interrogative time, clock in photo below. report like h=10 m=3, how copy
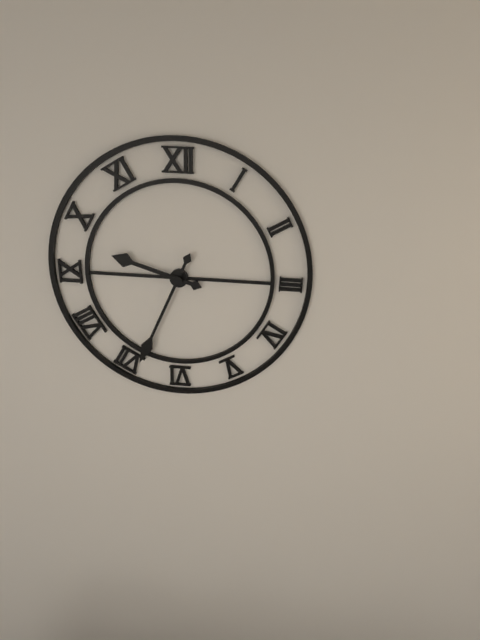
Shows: h=9 m=34
